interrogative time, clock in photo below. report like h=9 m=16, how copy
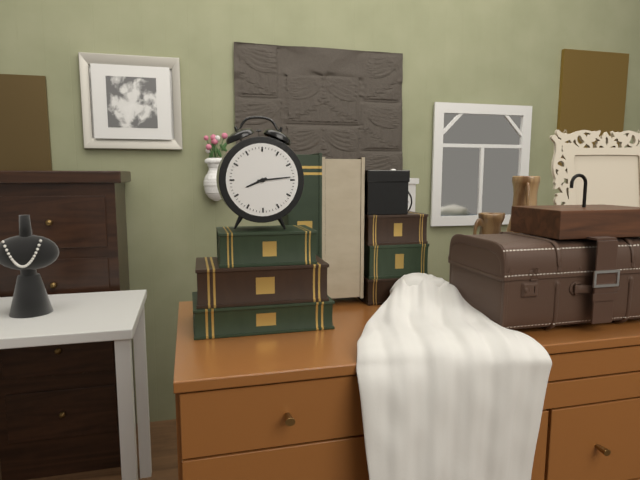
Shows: h=8 m=14
